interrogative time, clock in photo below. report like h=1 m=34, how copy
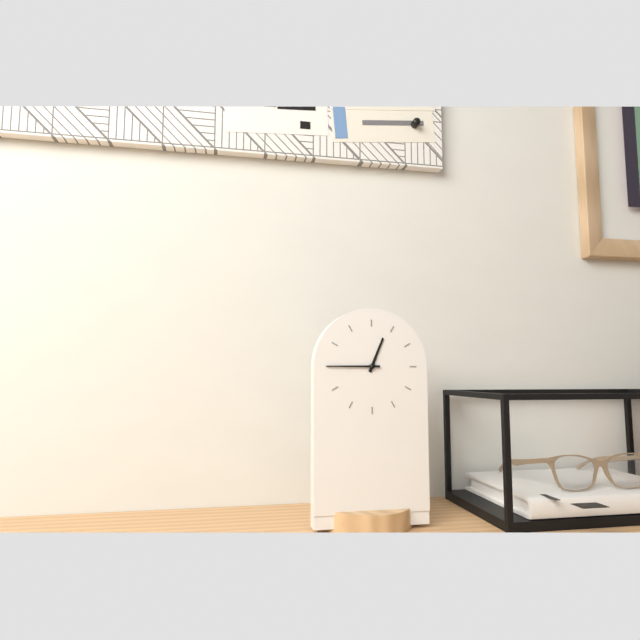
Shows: h=12 m=45
